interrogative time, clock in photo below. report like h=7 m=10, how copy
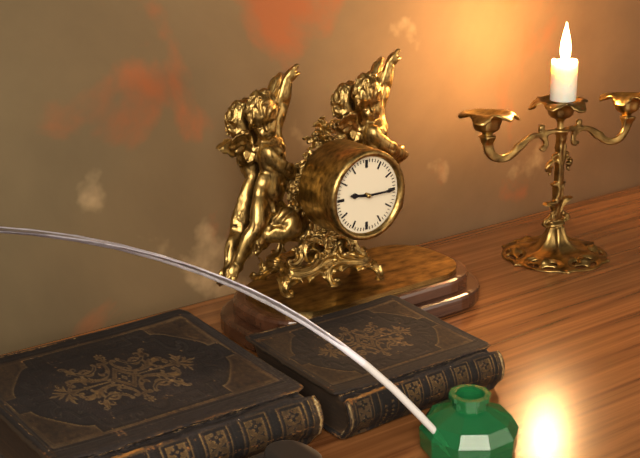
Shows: h=9 m=15
